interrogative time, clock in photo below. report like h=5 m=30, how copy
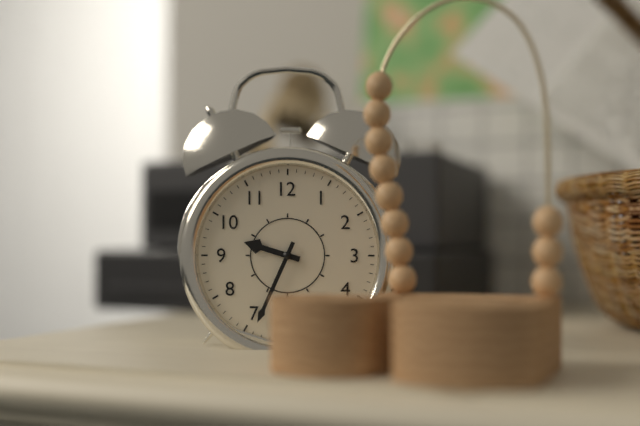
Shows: h=9 m=34
